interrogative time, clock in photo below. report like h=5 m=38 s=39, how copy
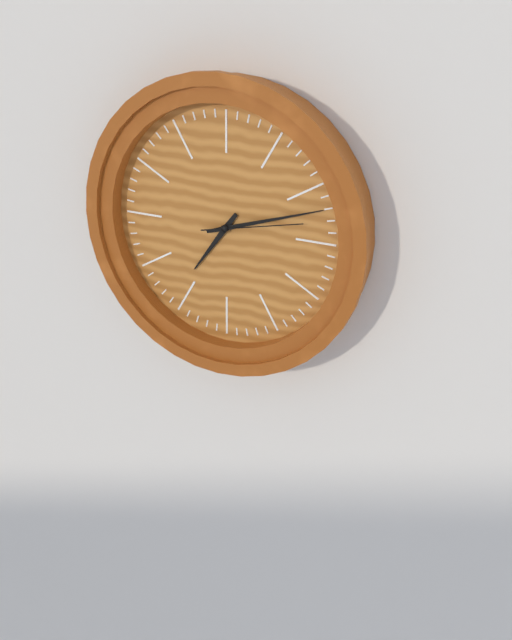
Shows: h=7 m=12 s=13
